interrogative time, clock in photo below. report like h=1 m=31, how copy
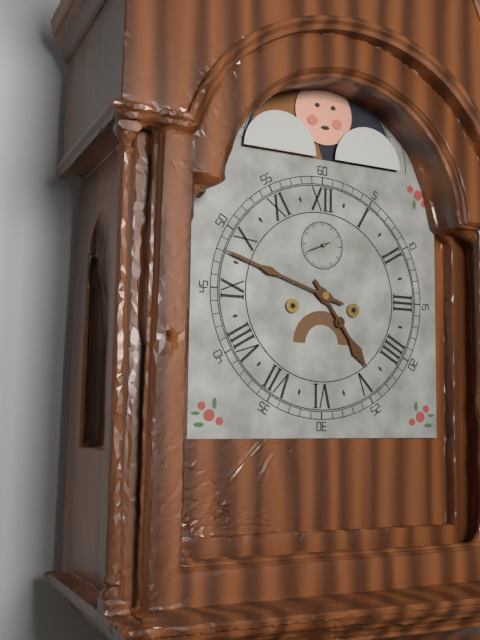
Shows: h=4 m=48
